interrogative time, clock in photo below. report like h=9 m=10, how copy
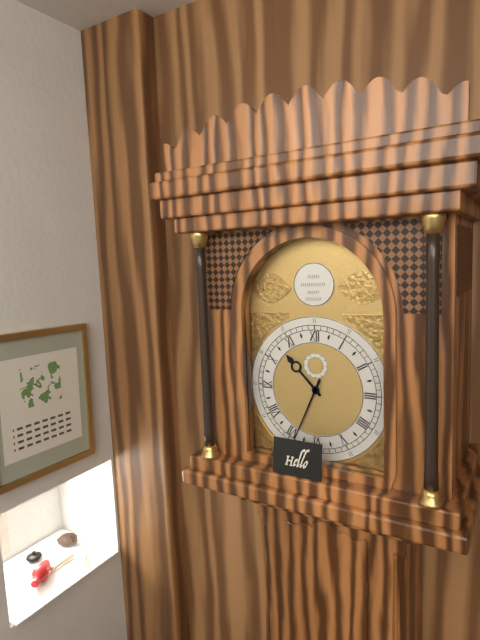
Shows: h=10 m=34
